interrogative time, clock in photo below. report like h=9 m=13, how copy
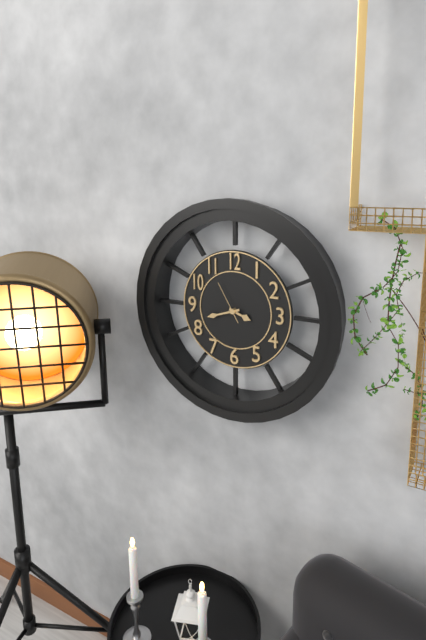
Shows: h=3 m=42
